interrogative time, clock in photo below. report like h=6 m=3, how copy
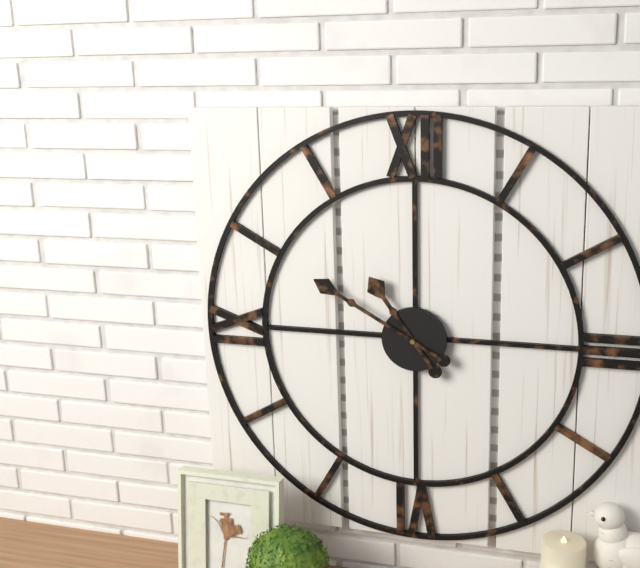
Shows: h=10 m=50
